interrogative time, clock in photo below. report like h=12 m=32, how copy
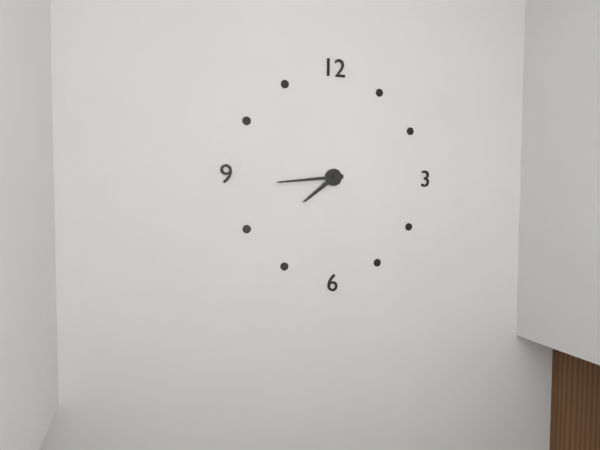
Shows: h=7 m=44
